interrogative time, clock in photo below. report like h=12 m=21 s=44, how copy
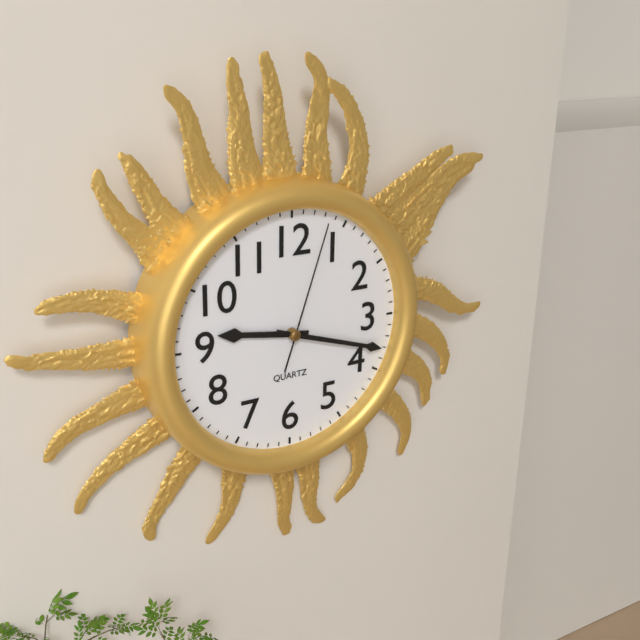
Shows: h=9 m=18 s=3
